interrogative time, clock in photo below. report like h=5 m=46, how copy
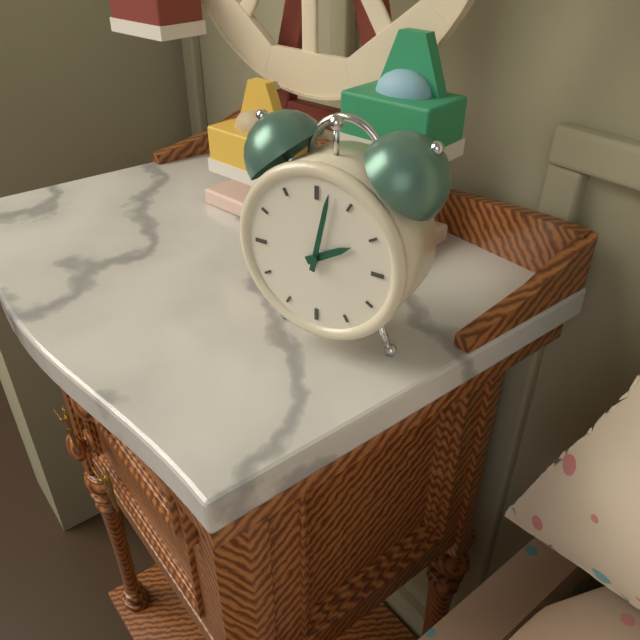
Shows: h=2 m=2
